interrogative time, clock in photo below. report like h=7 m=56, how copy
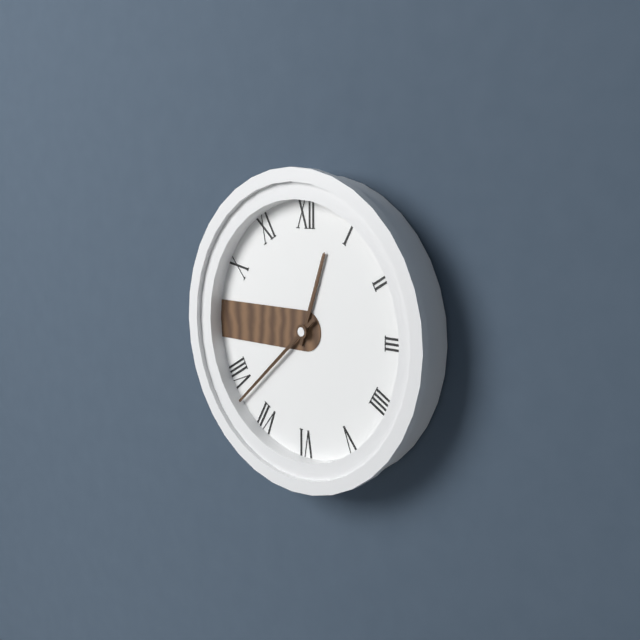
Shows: h=12 m=38
